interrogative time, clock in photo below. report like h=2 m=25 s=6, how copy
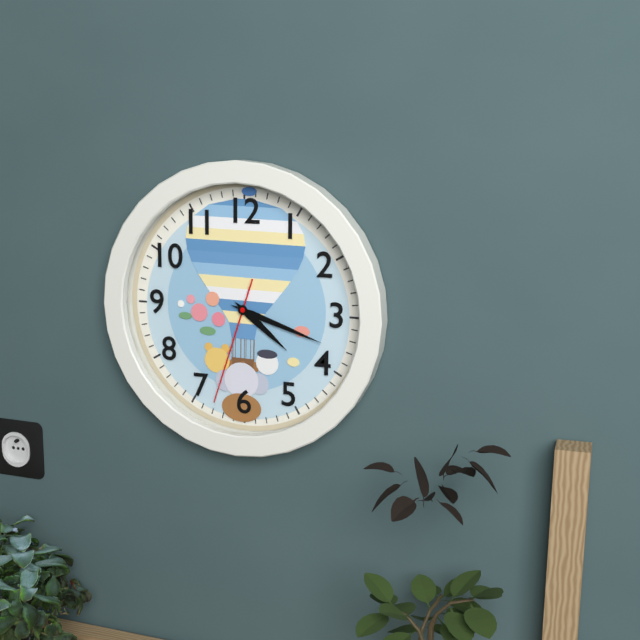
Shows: h=4 m=18 s=33
